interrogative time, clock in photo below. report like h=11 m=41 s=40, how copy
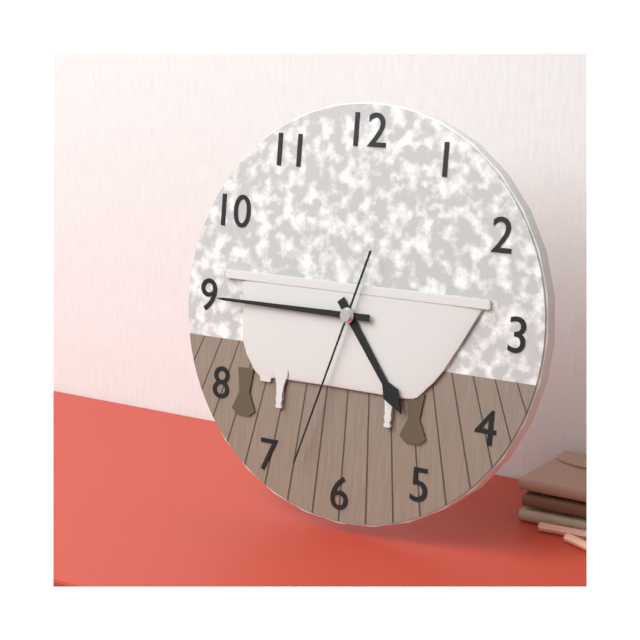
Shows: h=4 m=45 s=33
